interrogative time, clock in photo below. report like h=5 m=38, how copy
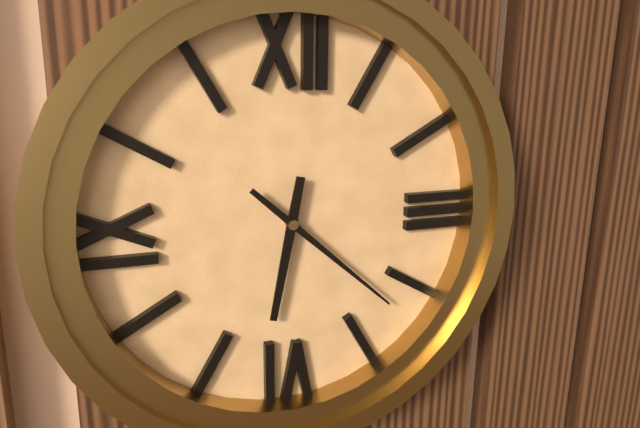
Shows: h=6 m=22
